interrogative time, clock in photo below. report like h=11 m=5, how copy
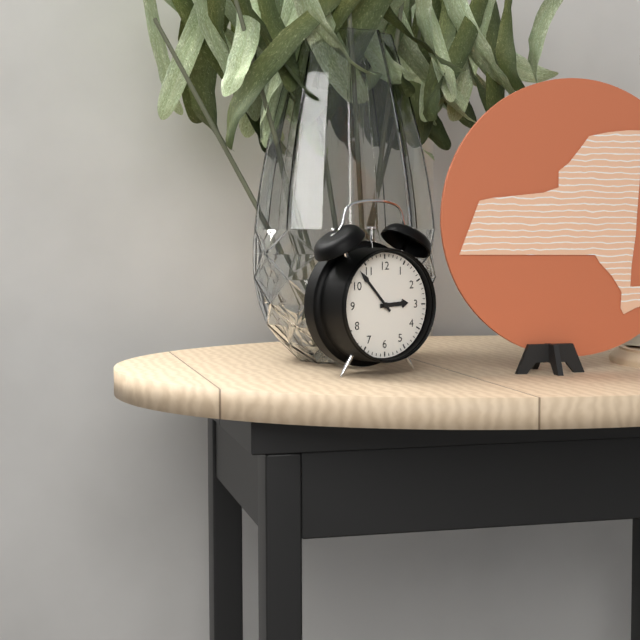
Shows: h=2 m=53
